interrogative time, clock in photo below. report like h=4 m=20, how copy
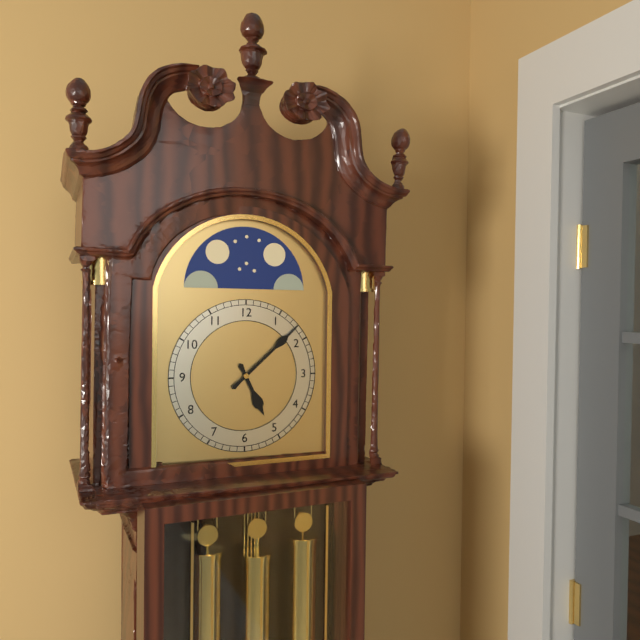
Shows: h=5 m=8
